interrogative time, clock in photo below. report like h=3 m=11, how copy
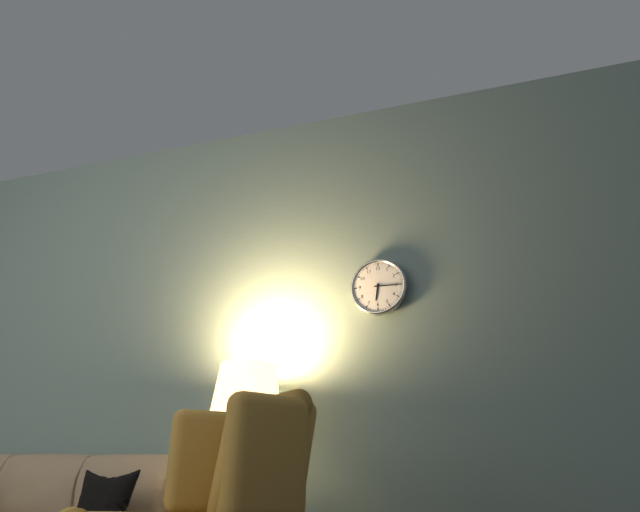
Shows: h=6 m=15
